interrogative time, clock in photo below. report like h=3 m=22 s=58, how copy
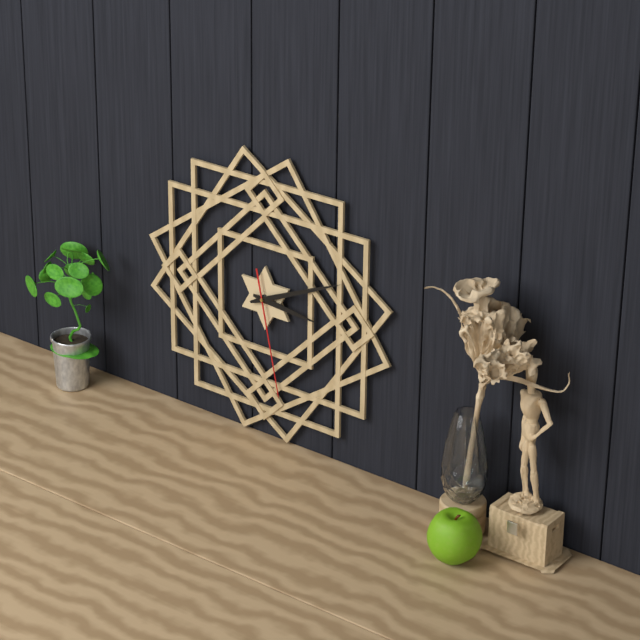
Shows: h=3 m=11 s=28
